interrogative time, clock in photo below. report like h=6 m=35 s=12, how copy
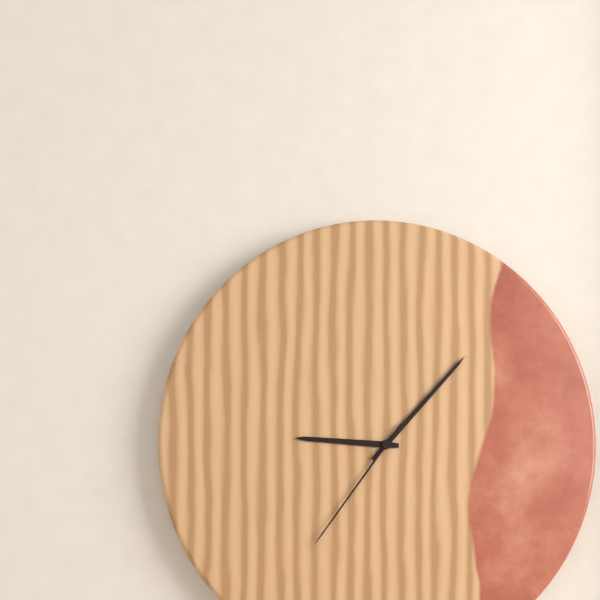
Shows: h=9 m=7 s=36
